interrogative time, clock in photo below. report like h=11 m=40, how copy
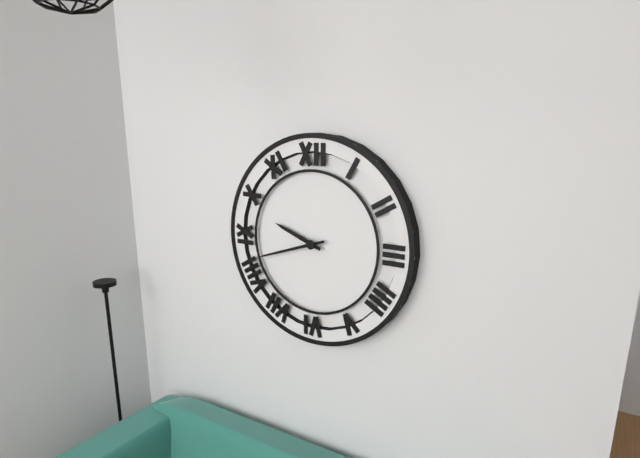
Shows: h=9 m=42
